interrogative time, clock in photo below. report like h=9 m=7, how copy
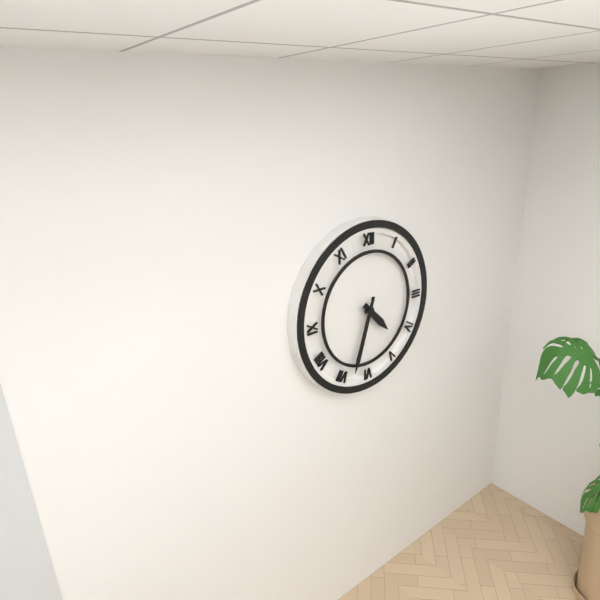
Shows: h=4 m=33
